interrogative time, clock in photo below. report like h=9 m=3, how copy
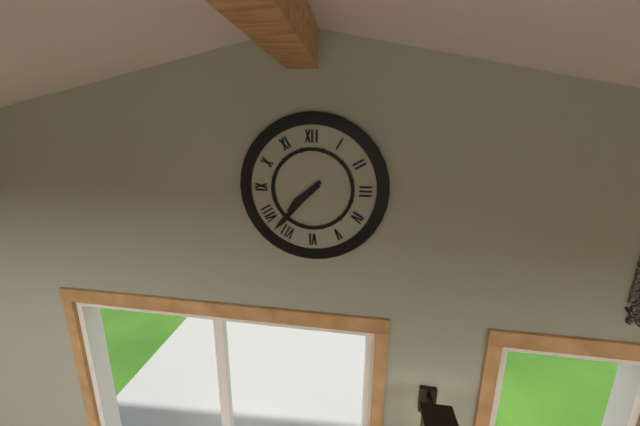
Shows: h=7 m=37
